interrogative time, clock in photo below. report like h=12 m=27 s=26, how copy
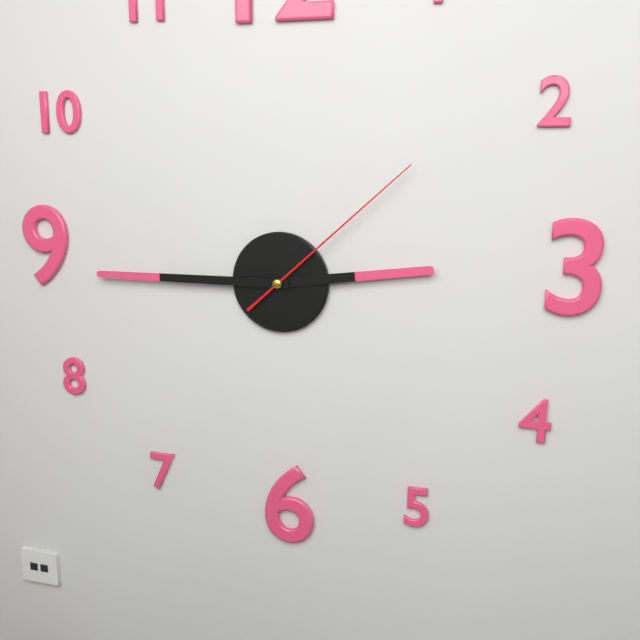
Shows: h=2 m=45 s=8
